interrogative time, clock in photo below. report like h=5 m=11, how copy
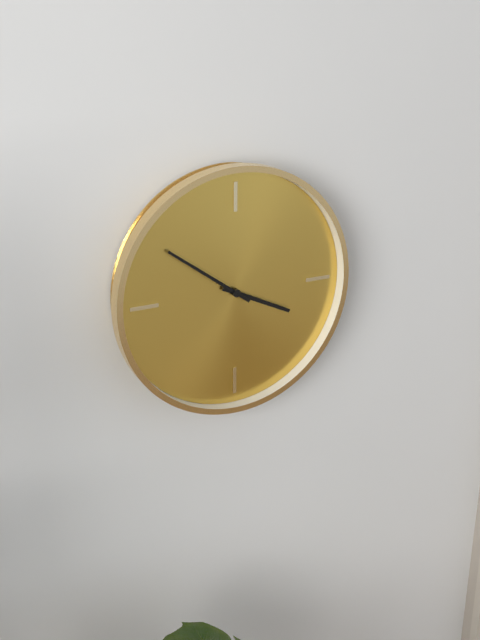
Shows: h=3 m=51
